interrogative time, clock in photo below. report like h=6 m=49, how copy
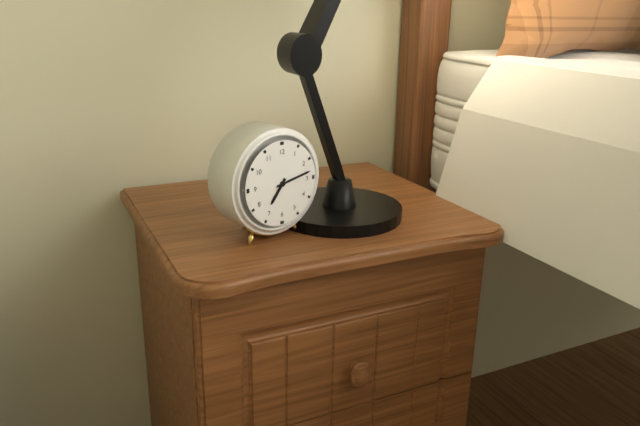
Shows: h=7 m=13
